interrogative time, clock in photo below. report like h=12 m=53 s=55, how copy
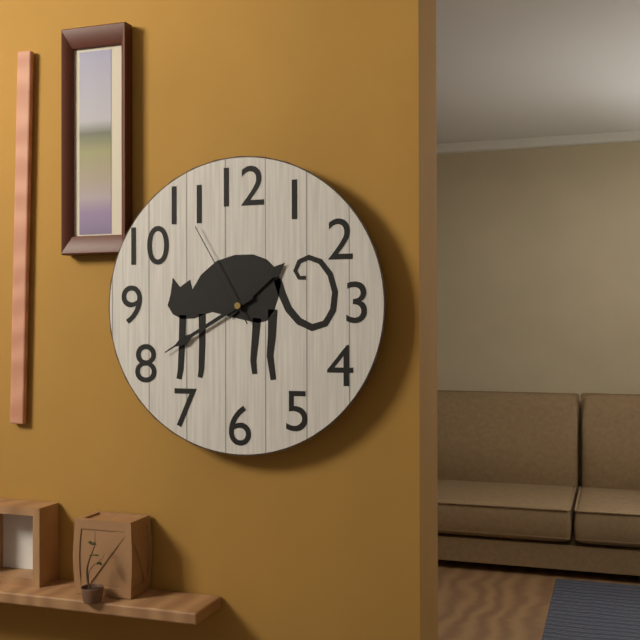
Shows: h=1 m=40 s=55
